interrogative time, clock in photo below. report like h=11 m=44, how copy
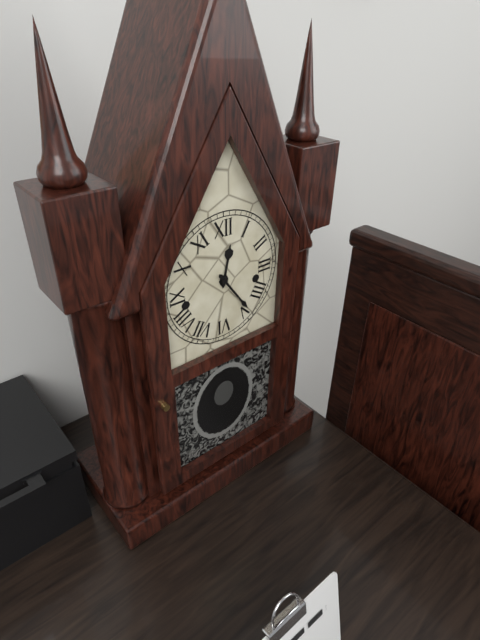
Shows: h=12 m=24
